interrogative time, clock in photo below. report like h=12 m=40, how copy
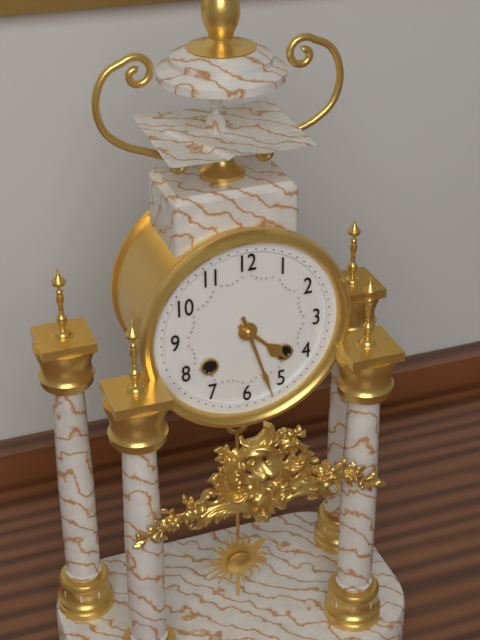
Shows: h=4 m=27
